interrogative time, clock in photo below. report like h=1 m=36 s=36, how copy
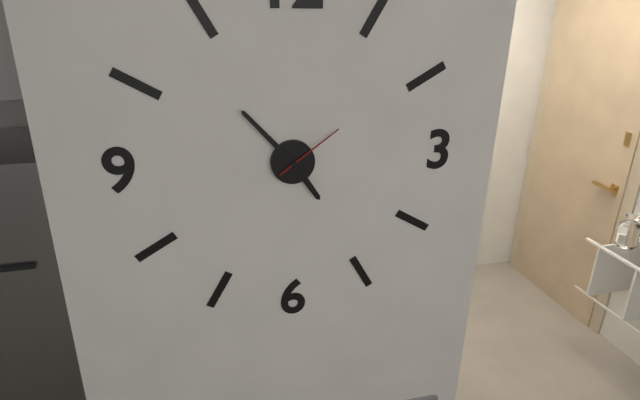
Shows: h=4 m=53 s=9
